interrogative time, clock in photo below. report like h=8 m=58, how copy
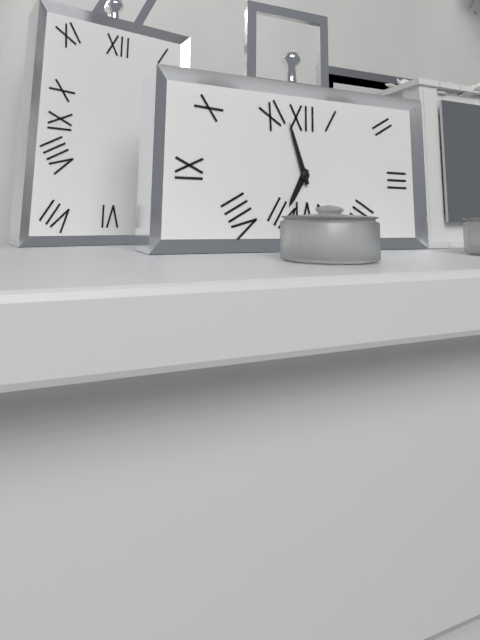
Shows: h=6 m=57
